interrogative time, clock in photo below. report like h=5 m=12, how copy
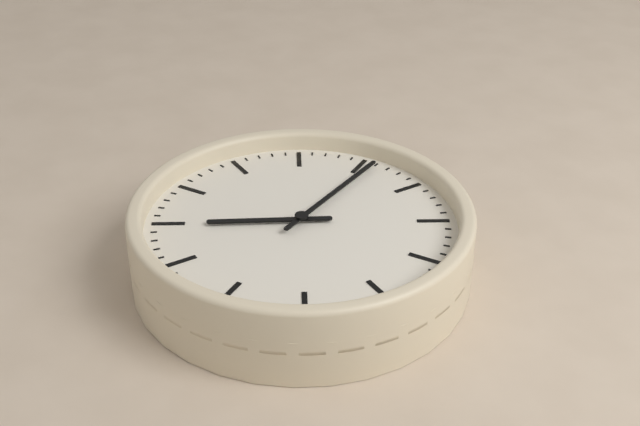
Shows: h=6 m=56
